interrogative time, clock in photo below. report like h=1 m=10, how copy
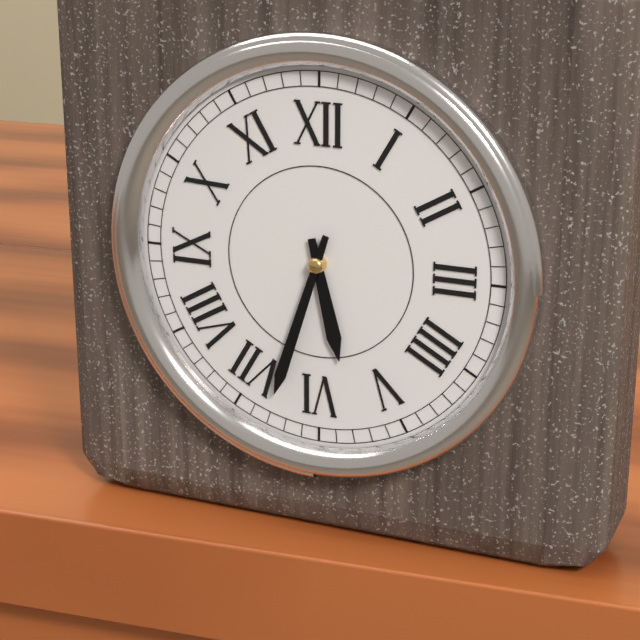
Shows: h=5 m=33
